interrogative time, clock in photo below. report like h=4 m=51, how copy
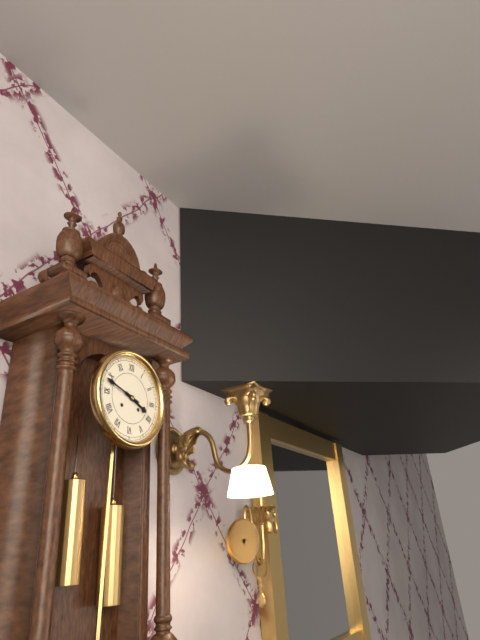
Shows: h=3 m=48
